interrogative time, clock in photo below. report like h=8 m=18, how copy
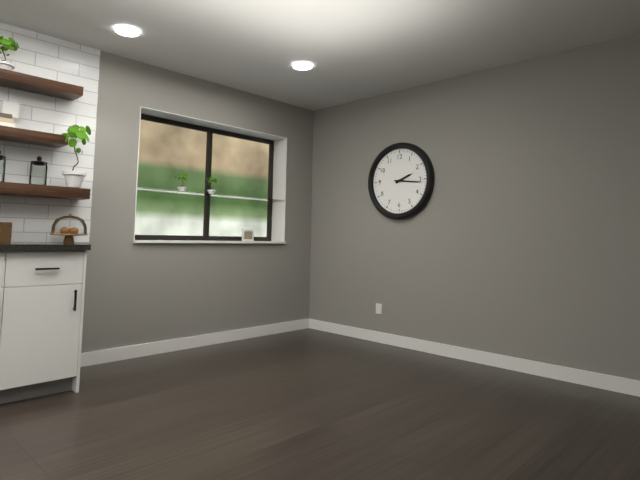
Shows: h=2 m=16
